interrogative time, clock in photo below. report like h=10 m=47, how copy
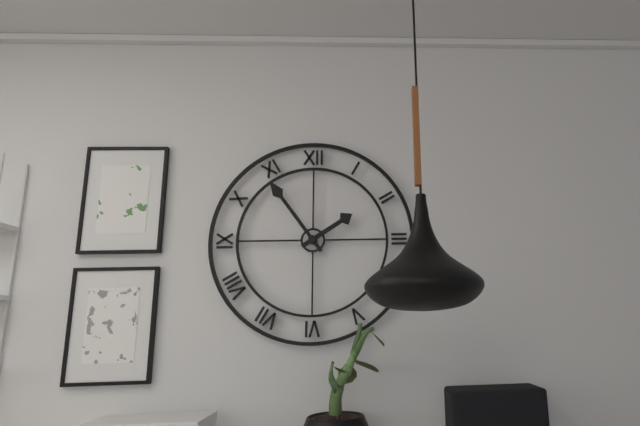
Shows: h=1 m=54
